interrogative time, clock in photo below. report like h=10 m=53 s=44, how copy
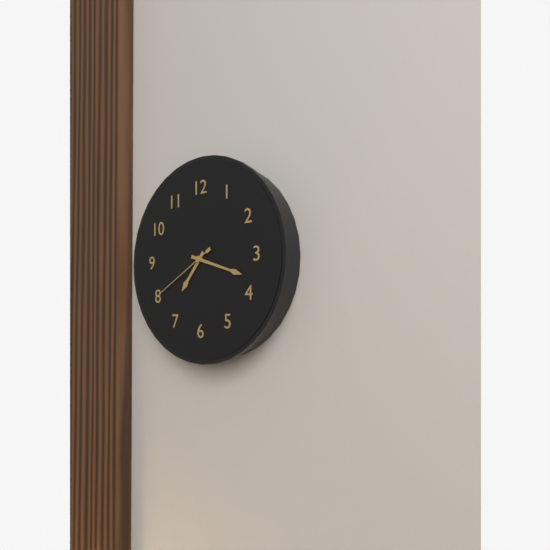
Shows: h=7 m=18 s=40
